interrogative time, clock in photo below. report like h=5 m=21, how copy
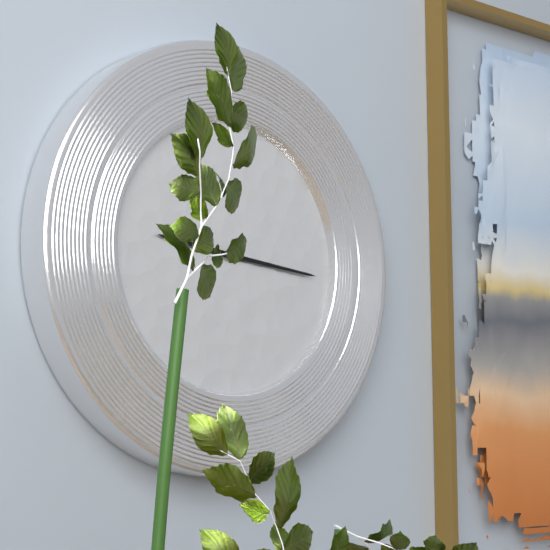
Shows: h=9 m=16
